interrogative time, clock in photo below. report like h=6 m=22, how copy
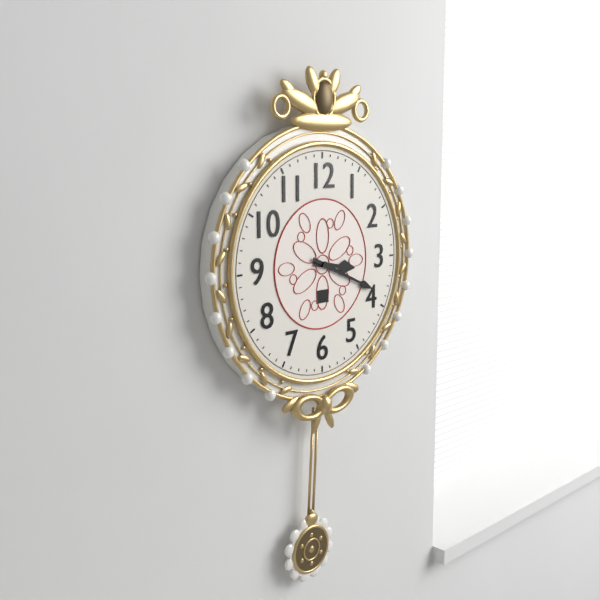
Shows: h=3 m=19
